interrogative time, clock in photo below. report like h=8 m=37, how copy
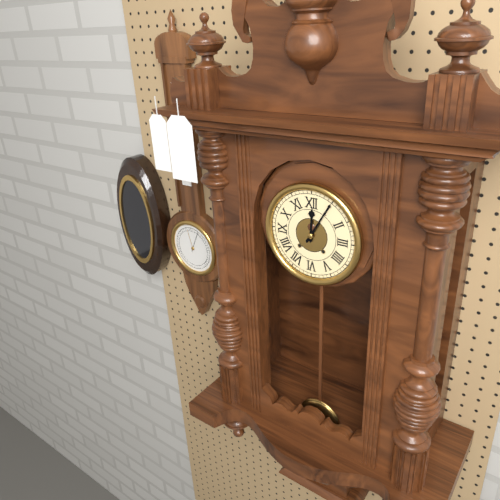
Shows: h=12 m=5
